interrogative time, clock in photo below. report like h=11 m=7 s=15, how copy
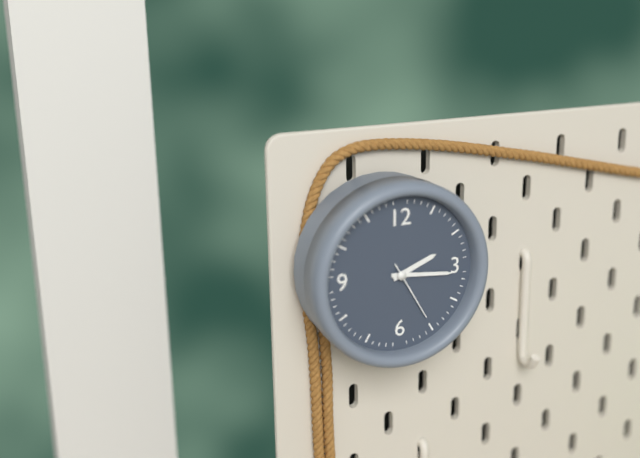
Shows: h=2 m=16 s=25
